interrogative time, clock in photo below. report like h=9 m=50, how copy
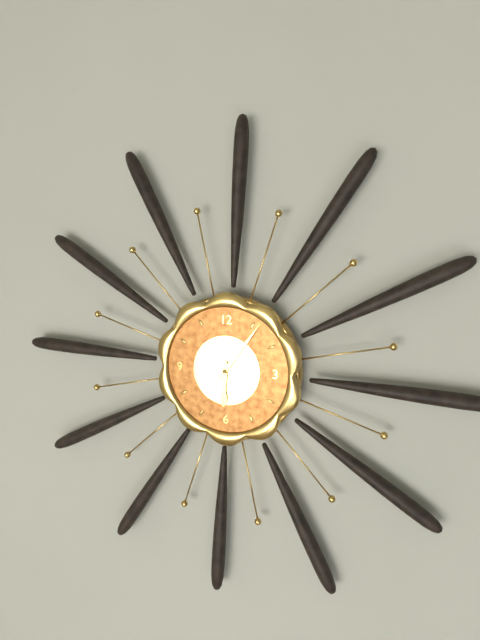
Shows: h=6 m=6
